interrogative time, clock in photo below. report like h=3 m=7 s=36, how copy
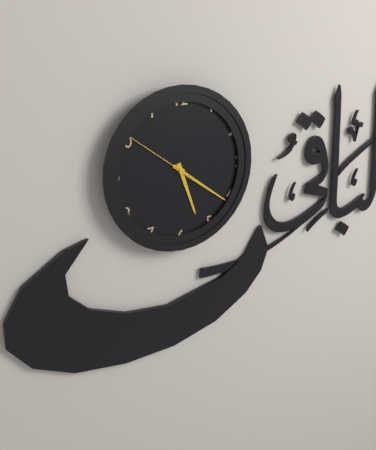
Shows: h=5 m=21 s=51
